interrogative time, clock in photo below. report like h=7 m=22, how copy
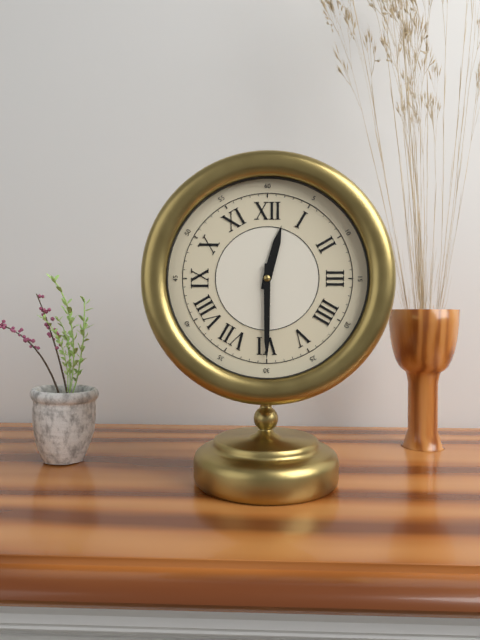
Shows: h=12 m=30
